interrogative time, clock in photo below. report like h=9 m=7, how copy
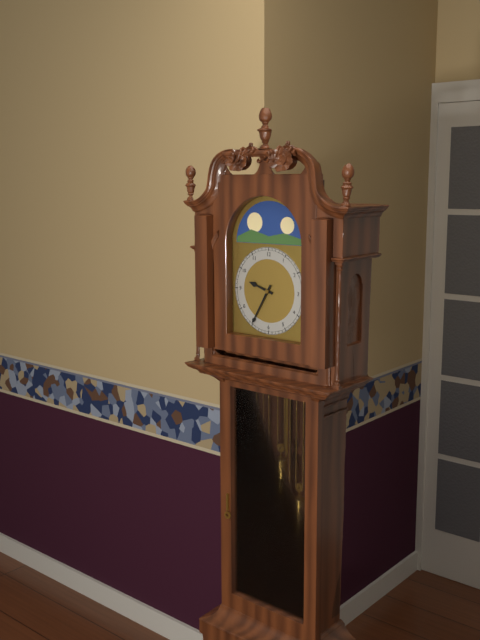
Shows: h=9 m=35
